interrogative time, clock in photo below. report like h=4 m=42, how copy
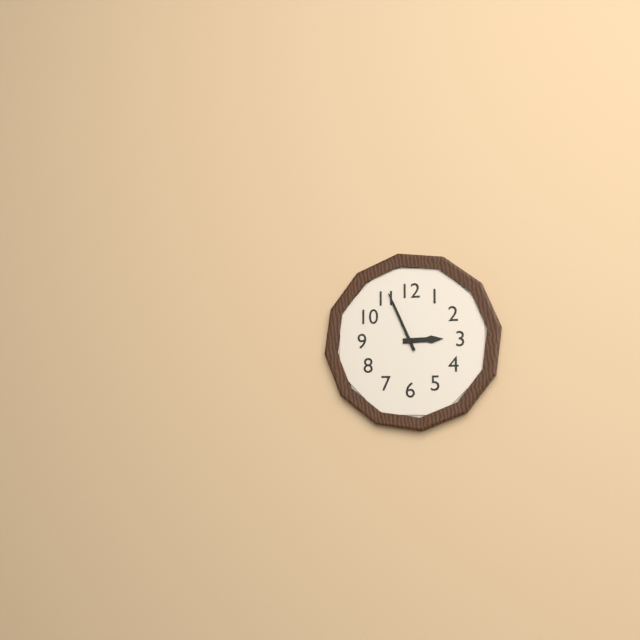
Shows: h=2 m=56
